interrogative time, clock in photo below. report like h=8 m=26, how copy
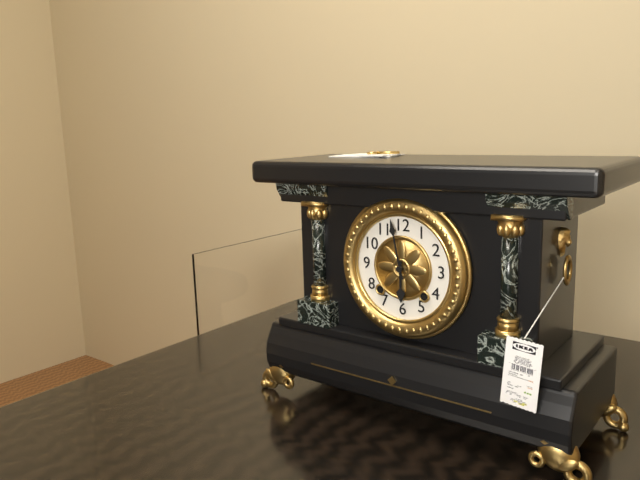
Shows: h=5 m=58
